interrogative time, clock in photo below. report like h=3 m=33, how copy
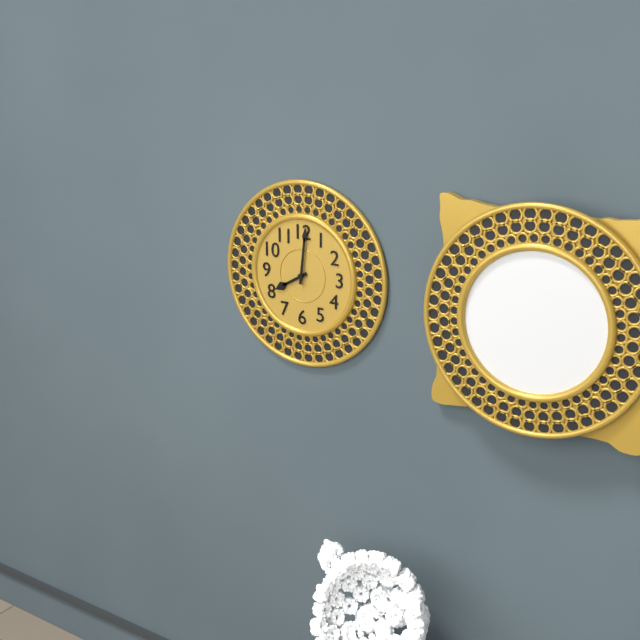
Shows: h=8 m=1
